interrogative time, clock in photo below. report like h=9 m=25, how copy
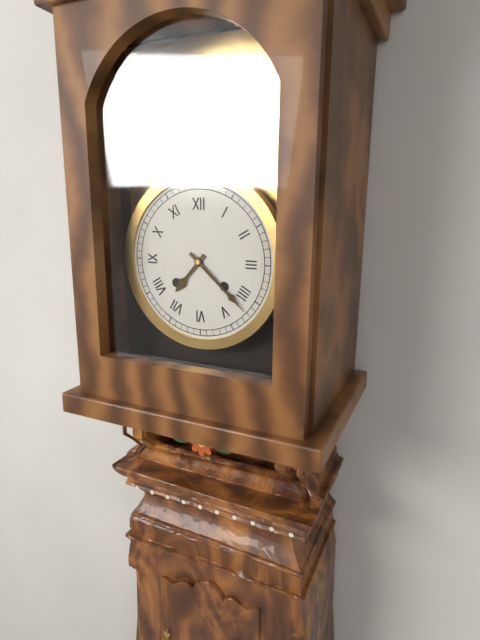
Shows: h=7 m=22
